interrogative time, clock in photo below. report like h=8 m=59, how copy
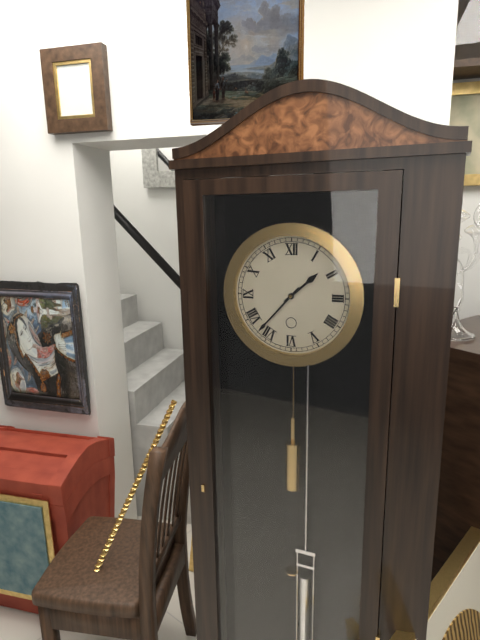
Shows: h=1 m=37
